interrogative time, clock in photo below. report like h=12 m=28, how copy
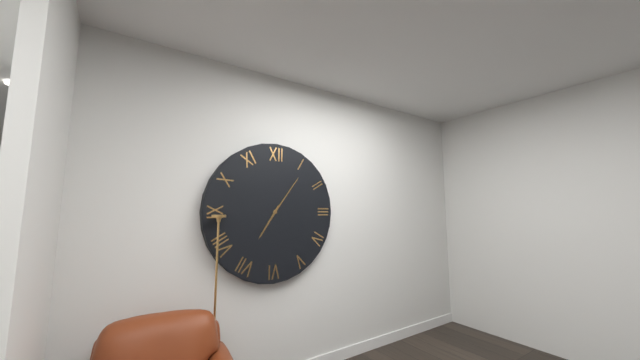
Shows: h=7 m=6
